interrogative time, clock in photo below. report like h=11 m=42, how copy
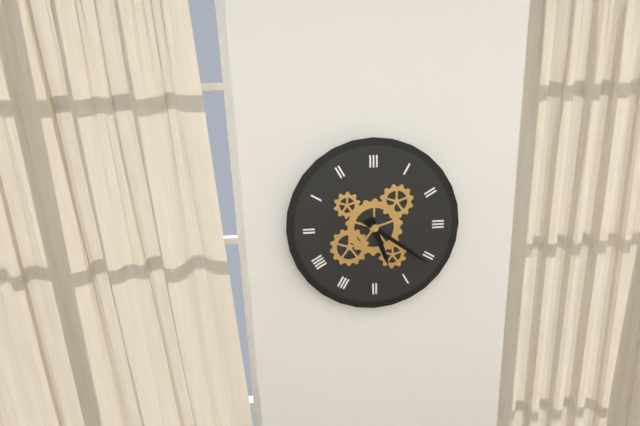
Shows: h=5 m=21
